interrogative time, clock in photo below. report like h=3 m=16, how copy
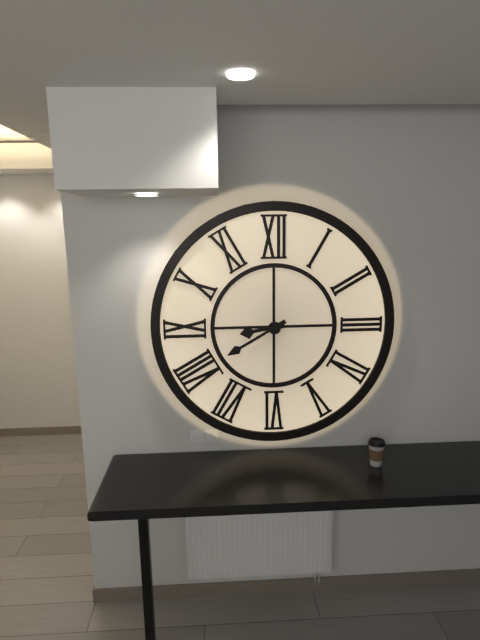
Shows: h=8 m=40
